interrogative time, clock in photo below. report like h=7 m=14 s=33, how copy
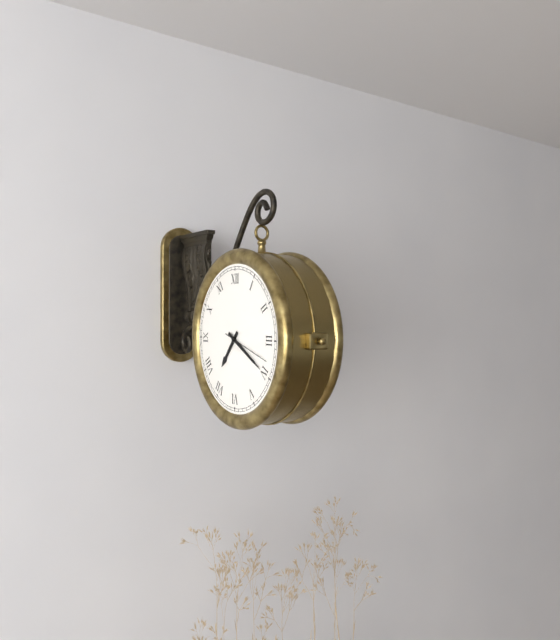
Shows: h=7 m=20 s=18
